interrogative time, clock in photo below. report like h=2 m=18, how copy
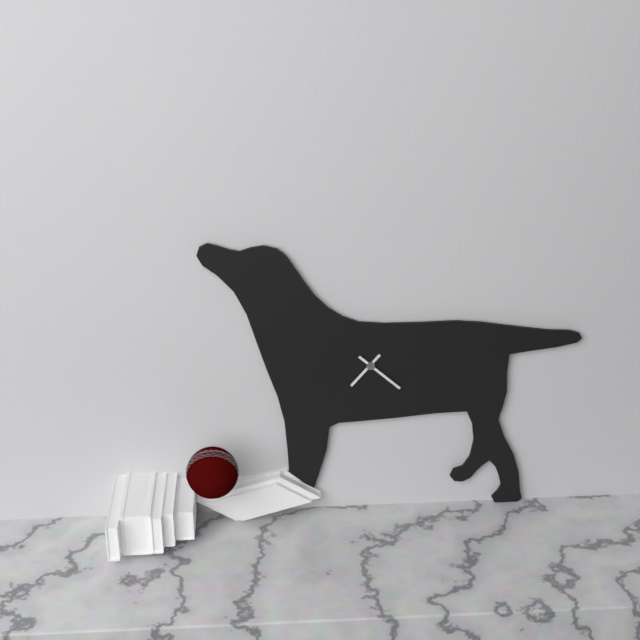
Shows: h=7 m=22
